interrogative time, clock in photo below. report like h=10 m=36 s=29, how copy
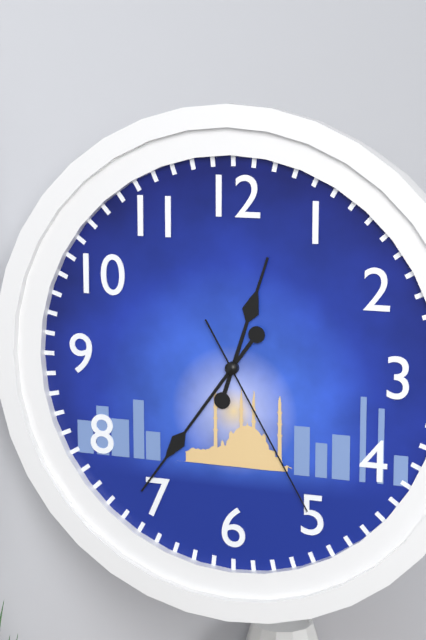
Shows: h=12 m=36 s=25
